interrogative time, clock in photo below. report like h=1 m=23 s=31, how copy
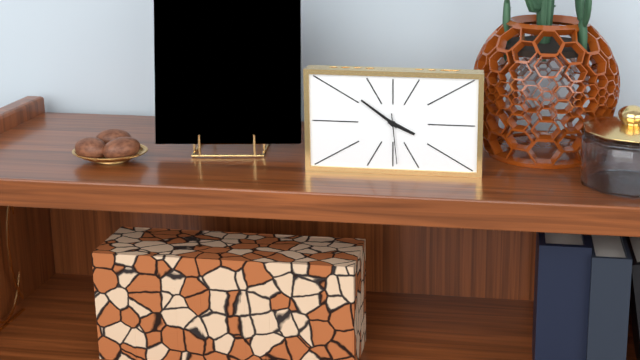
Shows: h=3 m=51 s=29
